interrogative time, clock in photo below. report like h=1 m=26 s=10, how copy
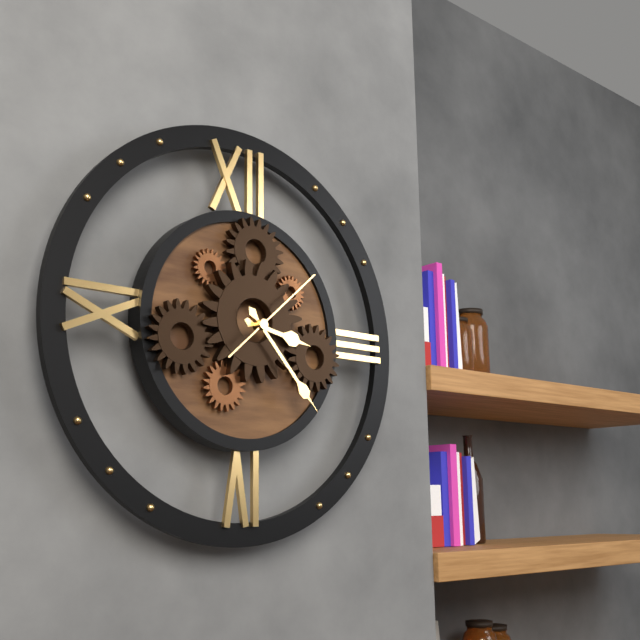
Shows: h=3 m=23 s=8
